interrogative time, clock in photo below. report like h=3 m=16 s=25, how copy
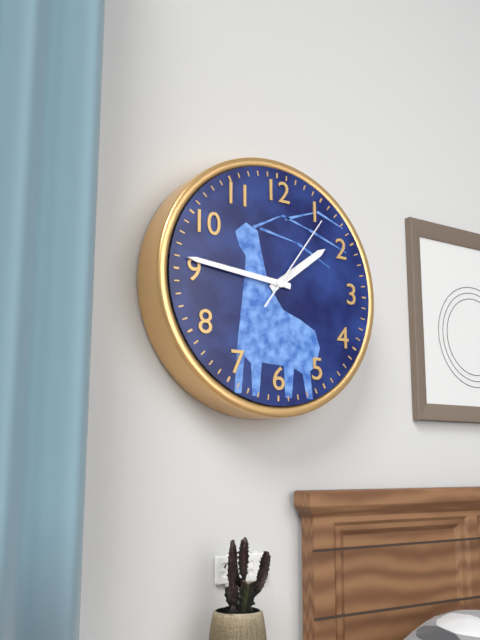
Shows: h=1 m=46 s=6
